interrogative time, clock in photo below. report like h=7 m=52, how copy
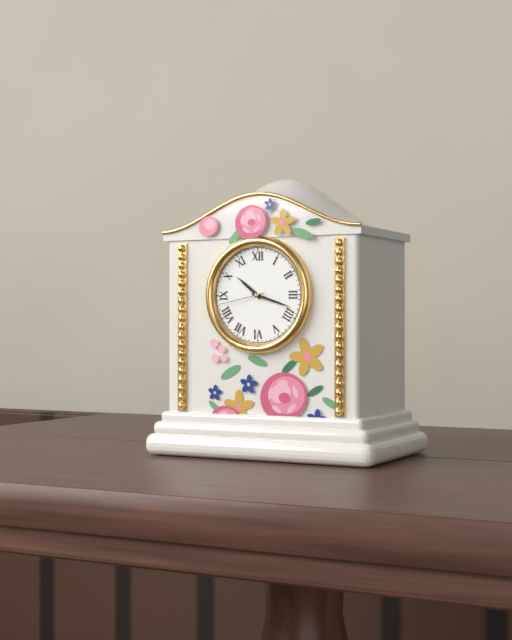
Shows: h=10 m=18
